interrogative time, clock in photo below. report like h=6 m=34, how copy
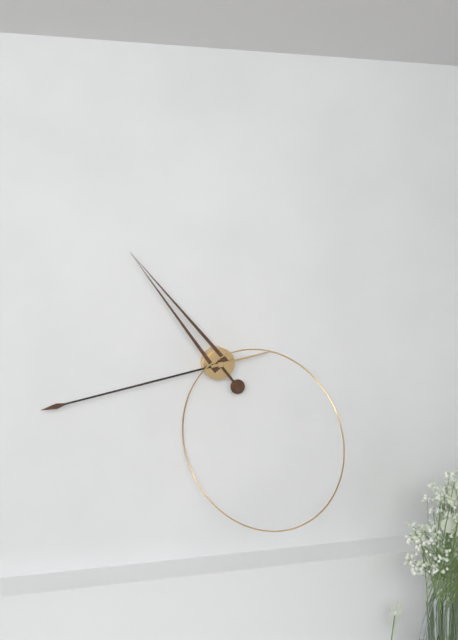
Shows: h=10 m=43
